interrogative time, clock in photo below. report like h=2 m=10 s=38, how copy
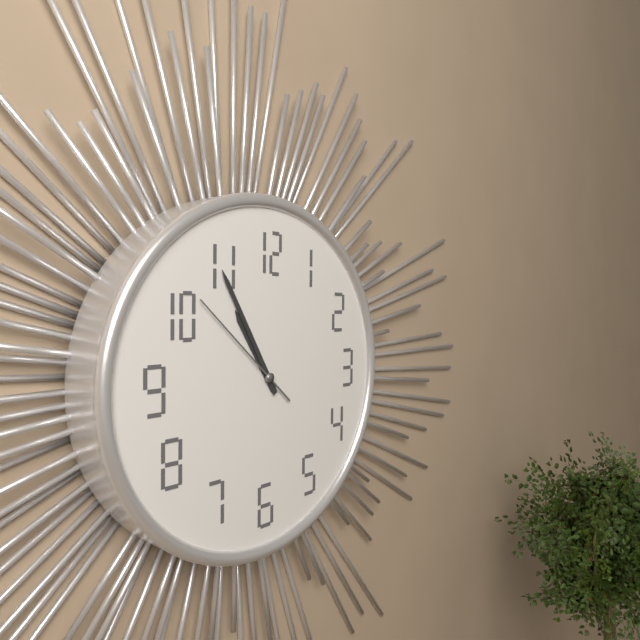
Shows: h=10 m=55 s=52
